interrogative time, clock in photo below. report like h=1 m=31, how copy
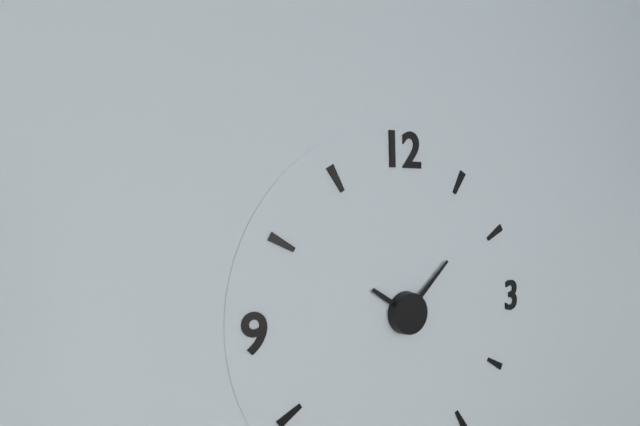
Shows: h=10 m=8
